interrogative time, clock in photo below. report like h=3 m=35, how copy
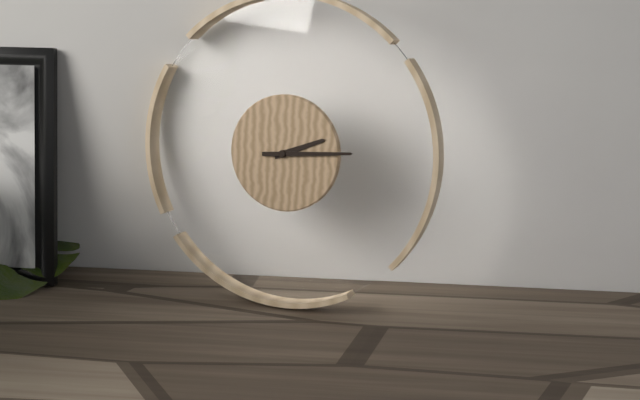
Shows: h=2 m=14
